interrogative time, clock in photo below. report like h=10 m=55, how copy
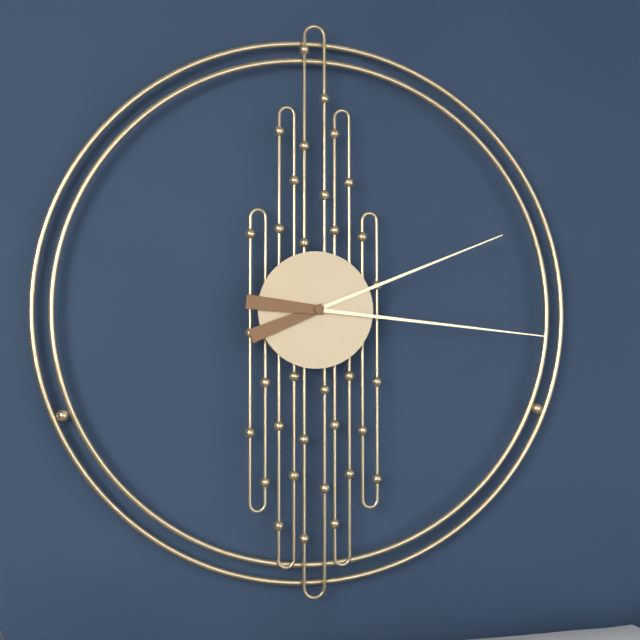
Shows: h=2 m=16
